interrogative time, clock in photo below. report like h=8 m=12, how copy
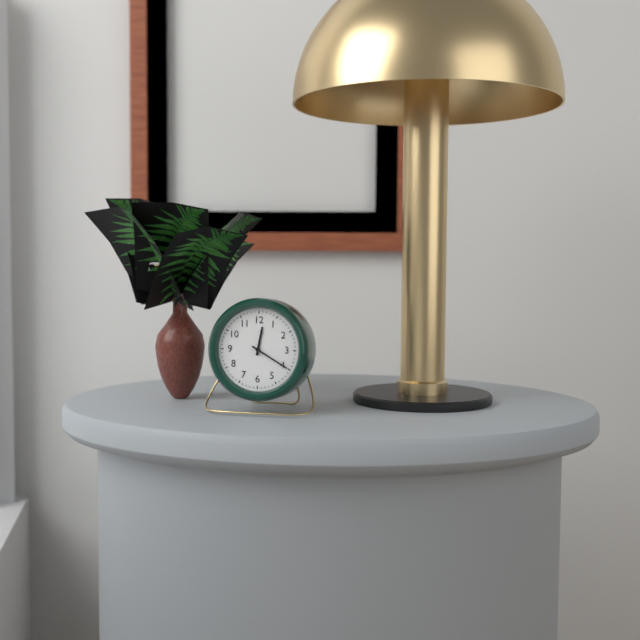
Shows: h=12 m=20
